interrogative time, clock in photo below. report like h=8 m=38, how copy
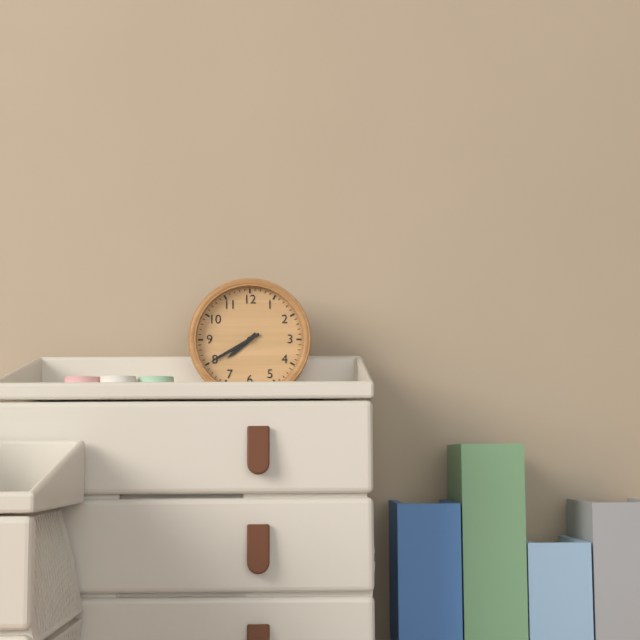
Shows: h=7 m=40
